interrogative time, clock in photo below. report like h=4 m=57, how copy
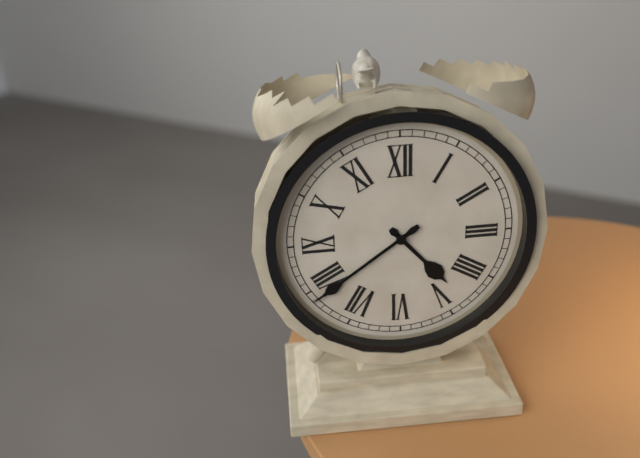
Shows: h=4 m=39
